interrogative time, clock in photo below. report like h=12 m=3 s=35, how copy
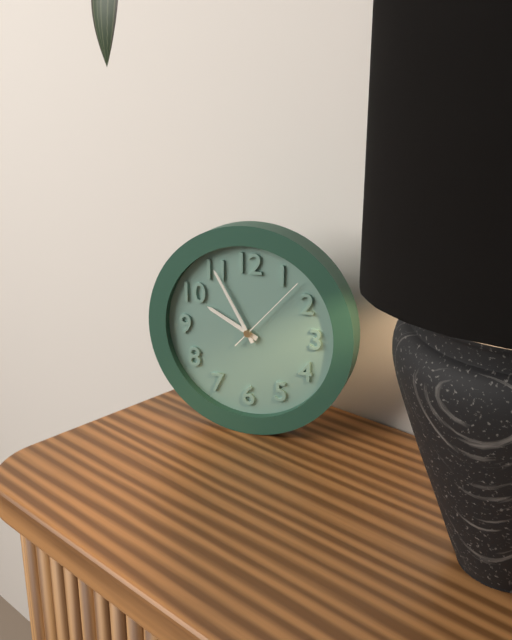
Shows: h=9 m=55 s=7
